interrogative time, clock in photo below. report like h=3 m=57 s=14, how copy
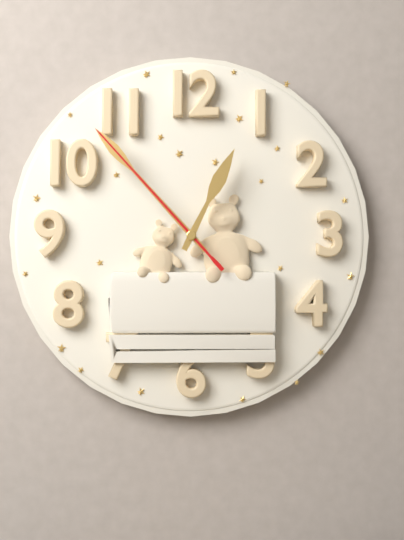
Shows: h=12 m=53 s=53
